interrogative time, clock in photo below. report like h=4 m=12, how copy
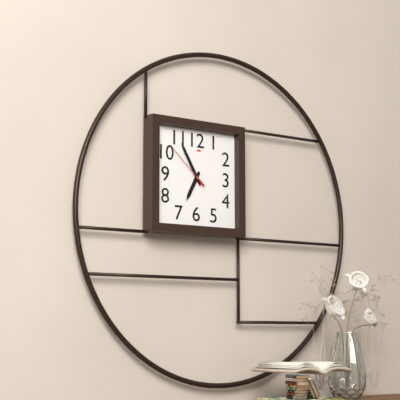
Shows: h=6 m=55
